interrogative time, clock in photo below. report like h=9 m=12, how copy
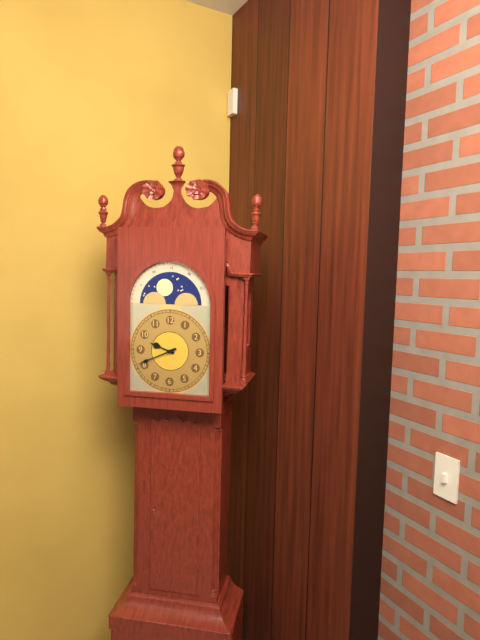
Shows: h=9 m=41
